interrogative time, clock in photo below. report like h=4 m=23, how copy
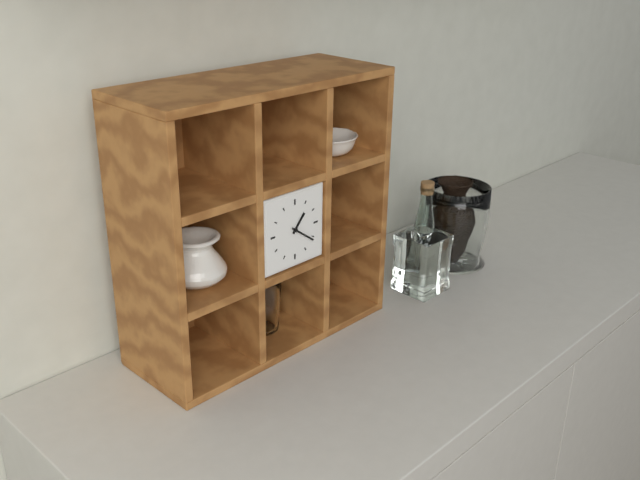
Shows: h=1 m=21
